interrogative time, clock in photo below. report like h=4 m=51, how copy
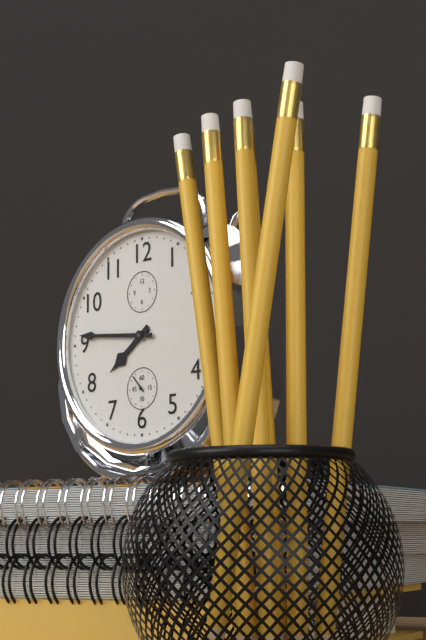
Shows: h=7 m=46
